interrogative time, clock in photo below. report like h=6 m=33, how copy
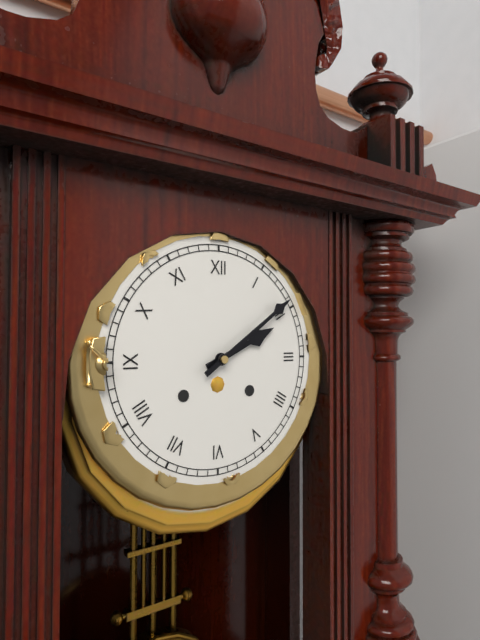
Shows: h=2 m=9
